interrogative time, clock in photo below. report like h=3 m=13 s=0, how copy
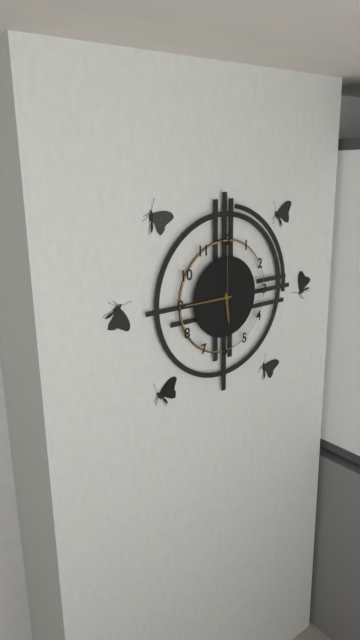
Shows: h=5 m=45 s=0
